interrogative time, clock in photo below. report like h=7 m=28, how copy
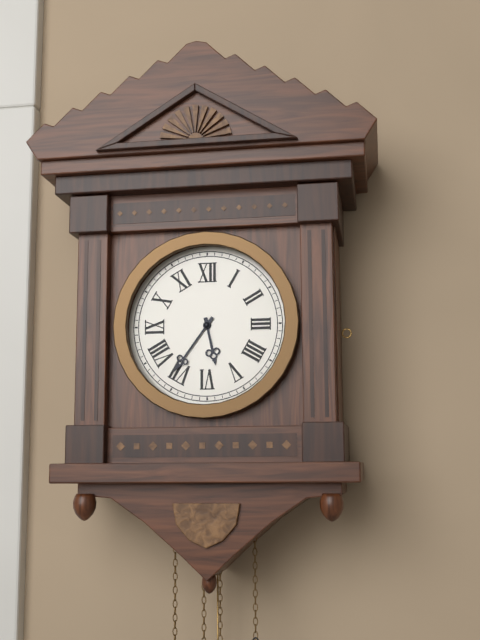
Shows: h=5 m=36
